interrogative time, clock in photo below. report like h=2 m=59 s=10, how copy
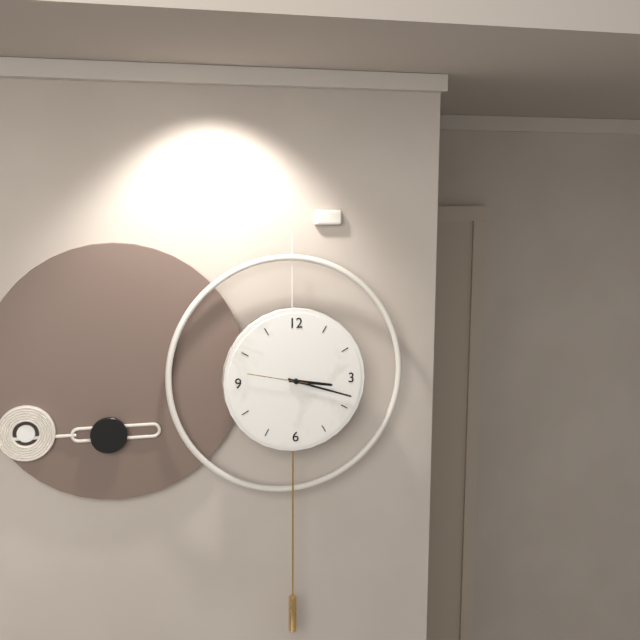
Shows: h=3 m=18 s=47
